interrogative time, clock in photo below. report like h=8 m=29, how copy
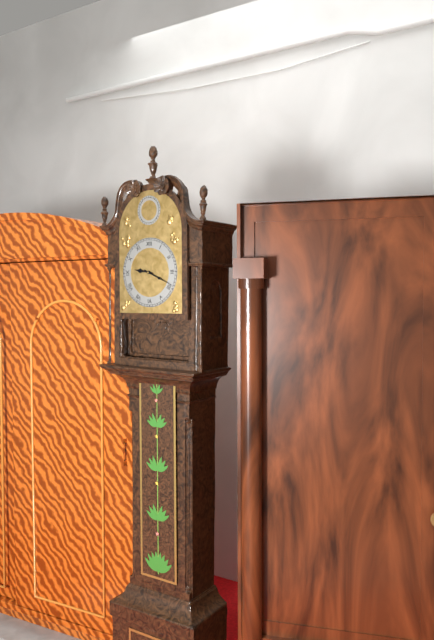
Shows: h=9 m=19
